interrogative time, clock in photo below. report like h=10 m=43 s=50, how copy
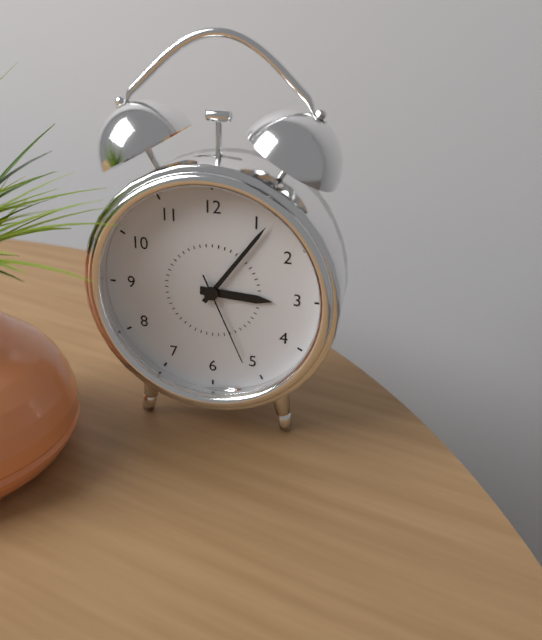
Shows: h=3 m=6 s=26
